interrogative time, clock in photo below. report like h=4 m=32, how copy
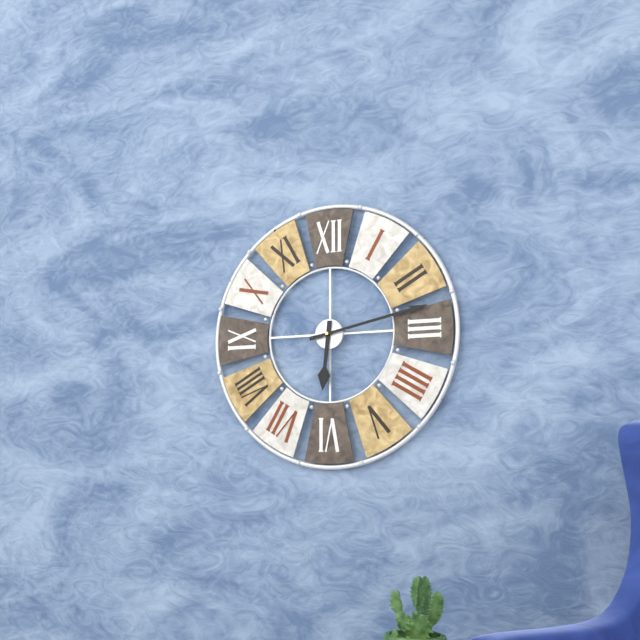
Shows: h=6 m=13
